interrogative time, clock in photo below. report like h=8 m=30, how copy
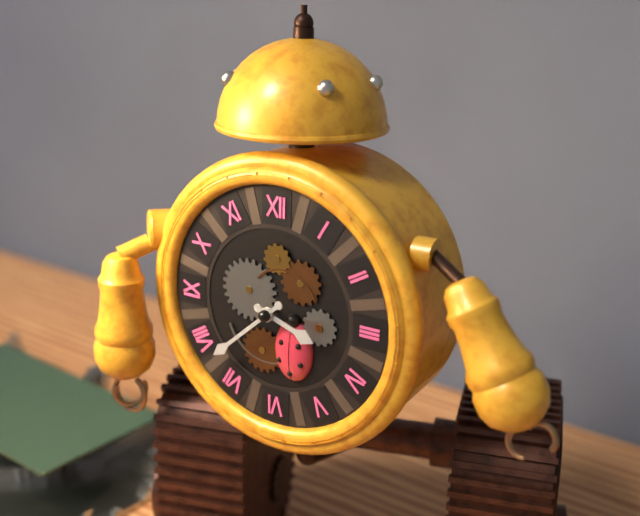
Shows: h=3 m=38
